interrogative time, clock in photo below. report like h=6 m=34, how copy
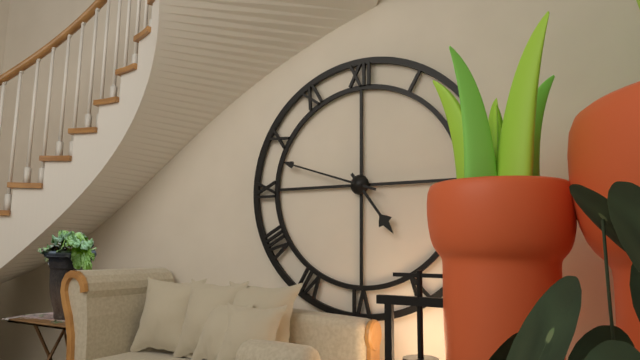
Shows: h=4 m=48
